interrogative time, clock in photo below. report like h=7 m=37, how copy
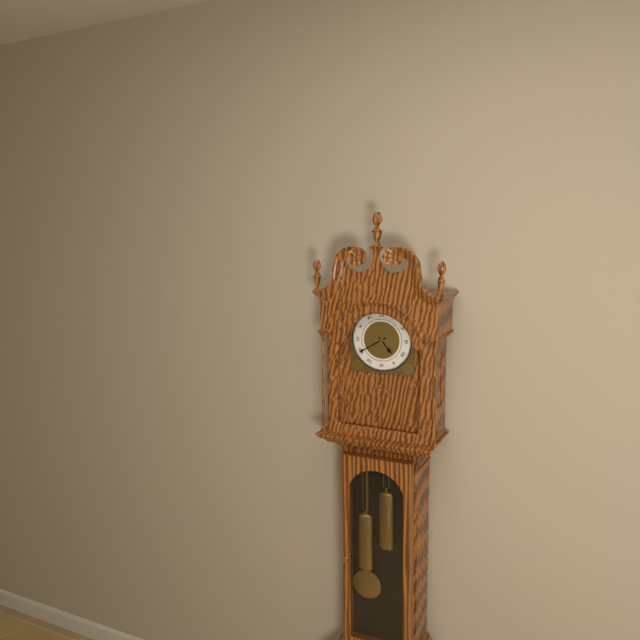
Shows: h=4 m=40
